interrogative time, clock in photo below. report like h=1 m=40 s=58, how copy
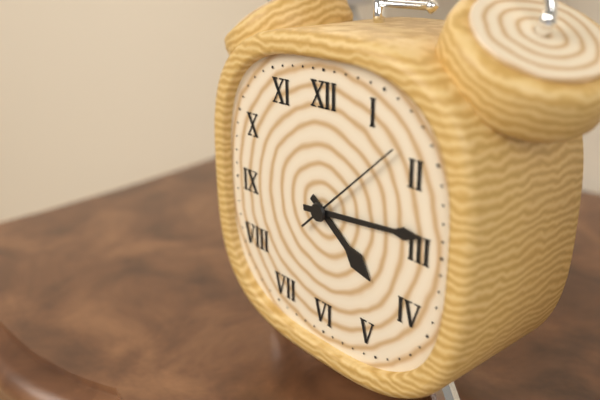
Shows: h=4 m=14 s=8
